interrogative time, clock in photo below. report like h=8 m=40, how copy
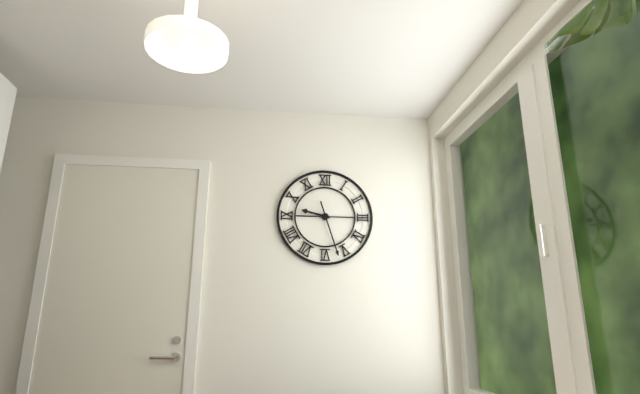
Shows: h=9 m=27
